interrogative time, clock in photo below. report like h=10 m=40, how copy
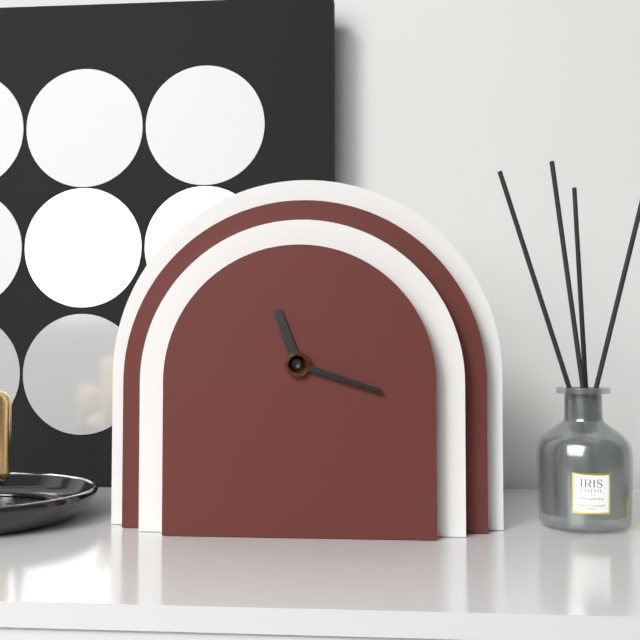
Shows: h=11 m=18
